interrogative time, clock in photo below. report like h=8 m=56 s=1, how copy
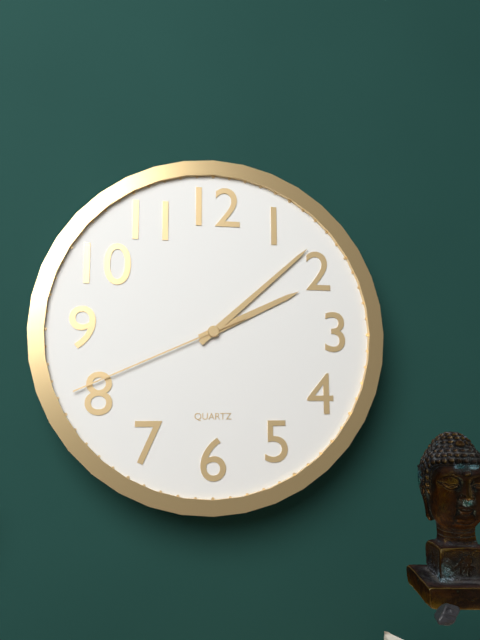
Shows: h=2 m=8 s=41
